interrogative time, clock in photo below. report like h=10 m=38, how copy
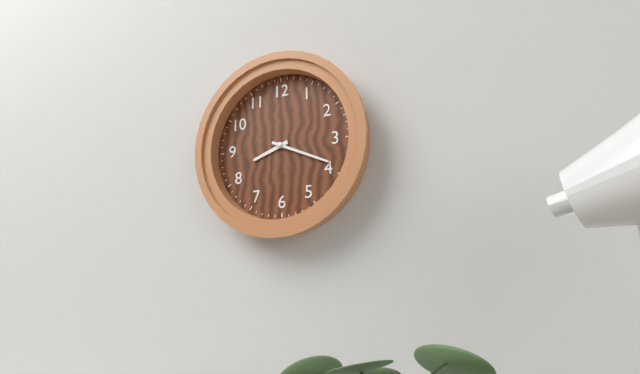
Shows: h=8 m=19
